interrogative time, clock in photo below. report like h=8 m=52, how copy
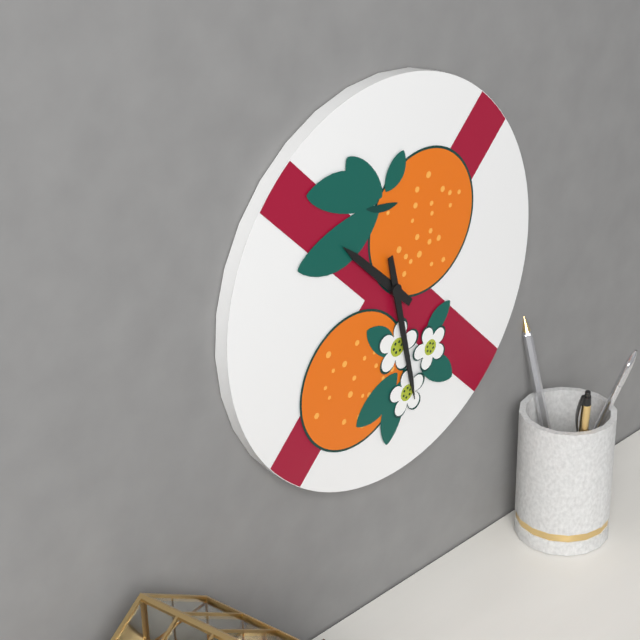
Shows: h=10 m=28
